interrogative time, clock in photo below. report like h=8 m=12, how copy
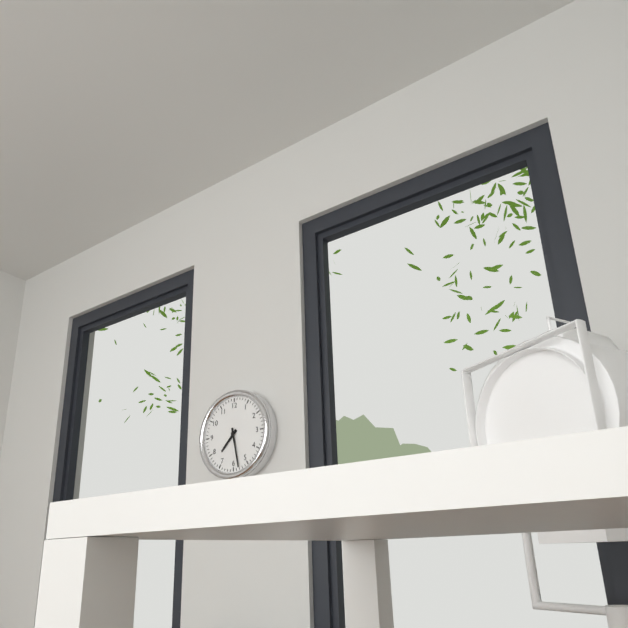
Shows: h=7 m=28
